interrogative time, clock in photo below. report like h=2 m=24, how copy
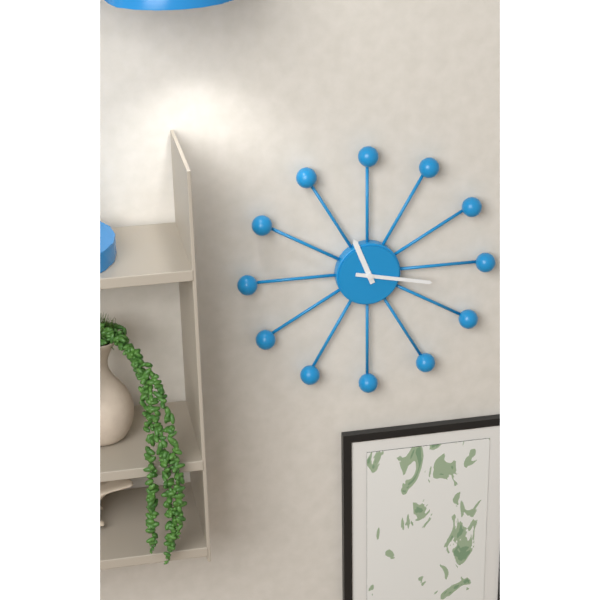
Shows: h=11 m=17
